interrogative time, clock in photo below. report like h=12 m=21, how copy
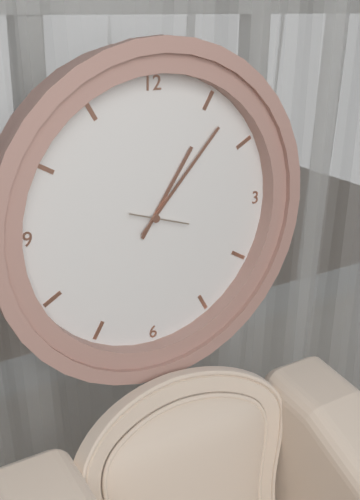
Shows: h=1 m=7
